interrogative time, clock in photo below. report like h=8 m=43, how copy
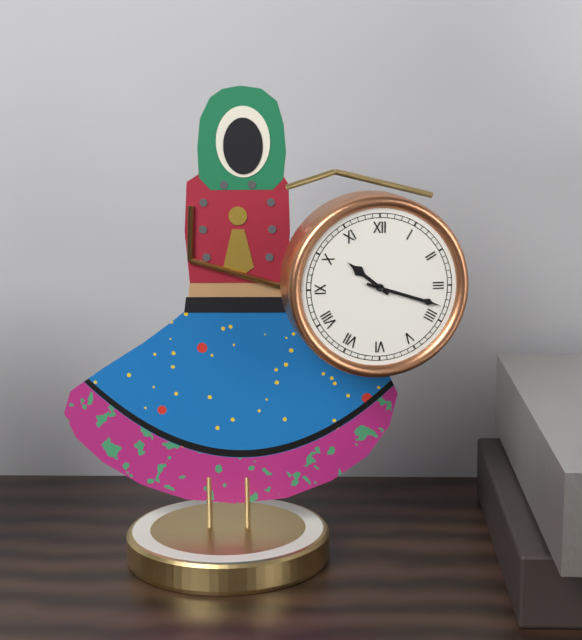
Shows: h=10 m=18
